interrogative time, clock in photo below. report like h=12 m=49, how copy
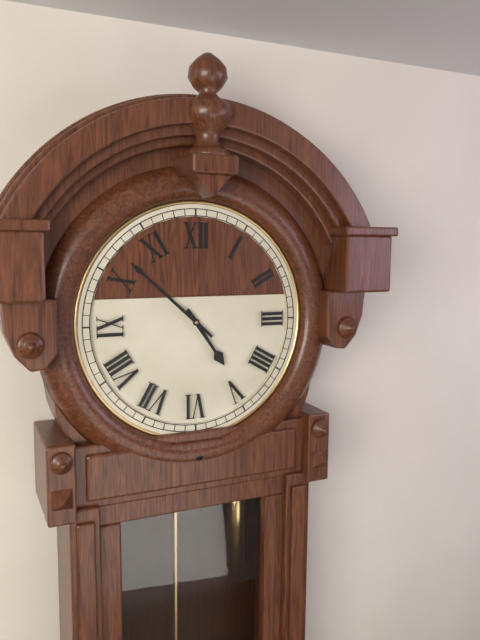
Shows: h=4 m=52
